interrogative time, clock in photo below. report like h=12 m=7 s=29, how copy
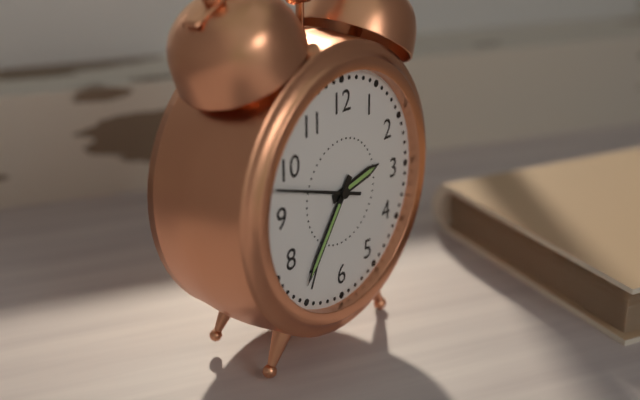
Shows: h=2 m=36 s=48
